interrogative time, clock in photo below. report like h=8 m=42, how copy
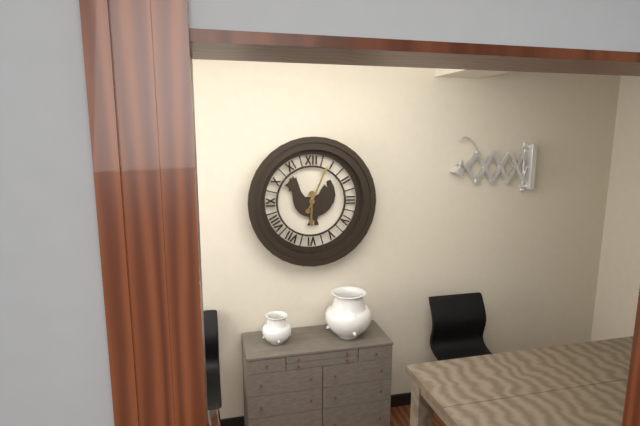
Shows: h=6 m=4
